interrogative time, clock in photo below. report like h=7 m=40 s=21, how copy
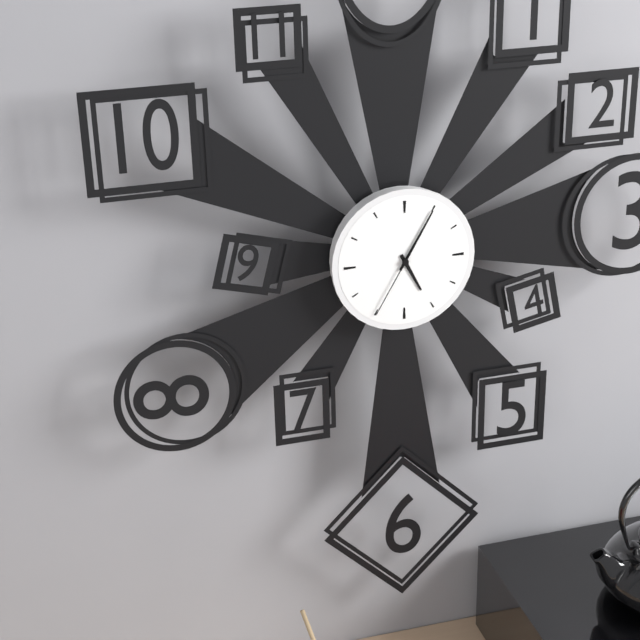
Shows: h=5 m=5 s=35
